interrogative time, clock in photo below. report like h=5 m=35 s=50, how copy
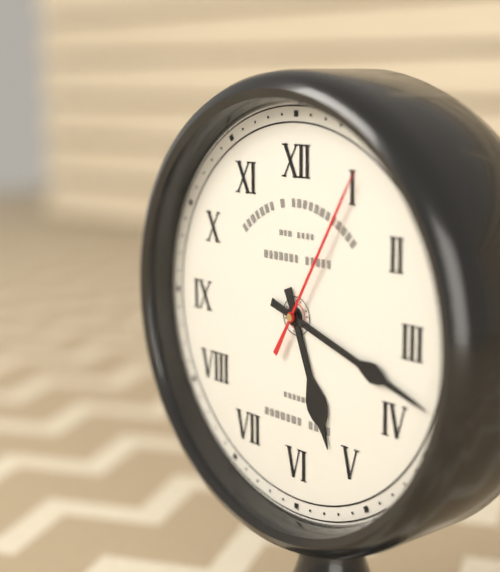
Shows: h=5 m=18 s=5
